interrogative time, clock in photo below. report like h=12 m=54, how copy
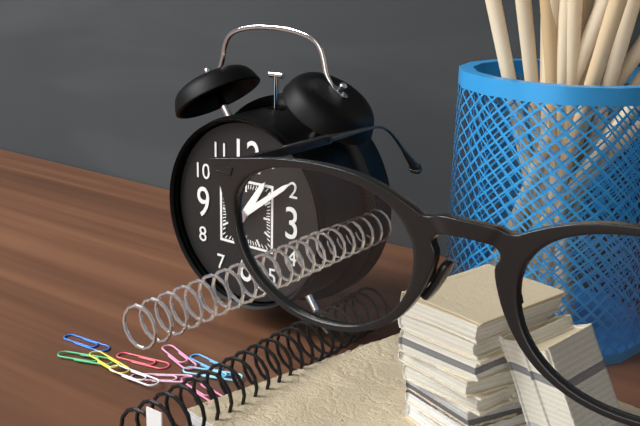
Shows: h=1 m=9
